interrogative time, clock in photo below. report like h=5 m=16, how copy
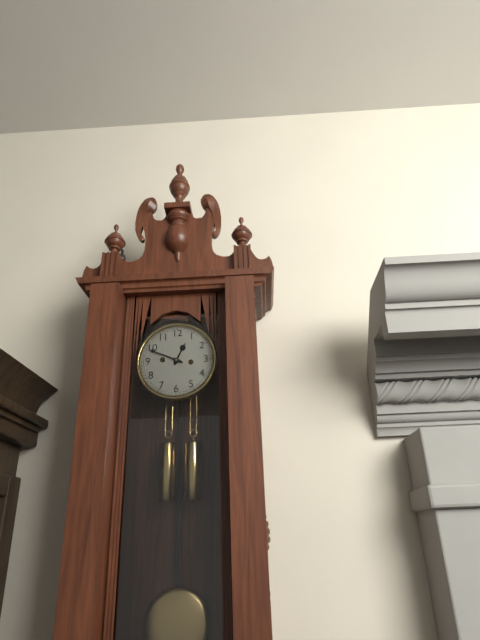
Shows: h=12 m=49
